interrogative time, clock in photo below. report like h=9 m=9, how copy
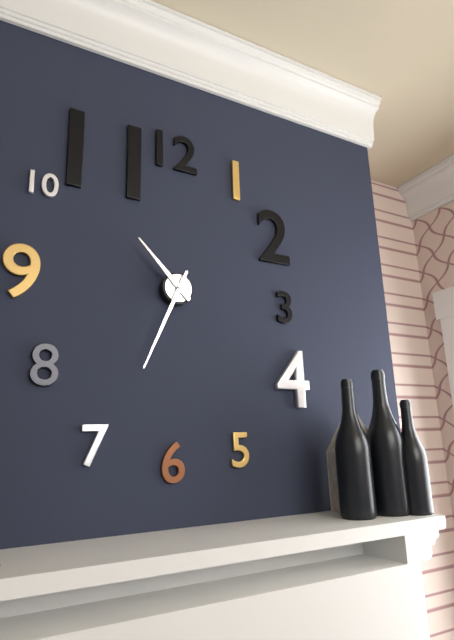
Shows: h=10 m=34
